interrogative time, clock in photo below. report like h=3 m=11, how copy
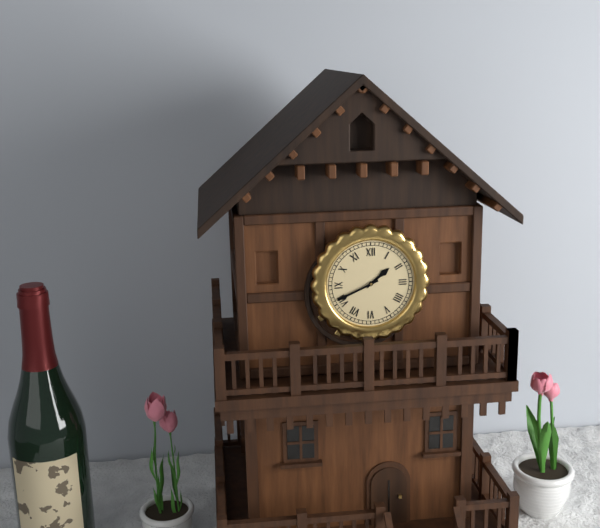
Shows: h=1 m=41
